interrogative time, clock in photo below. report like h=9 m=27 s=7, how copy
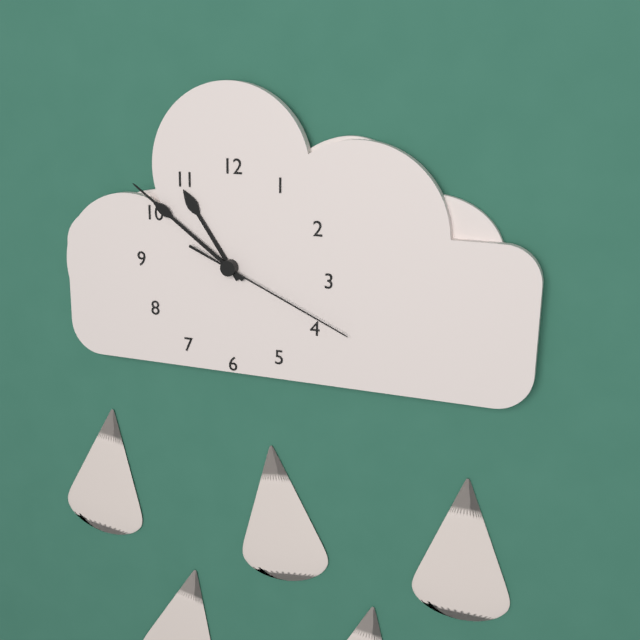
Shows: h=10 m=51 s=19
